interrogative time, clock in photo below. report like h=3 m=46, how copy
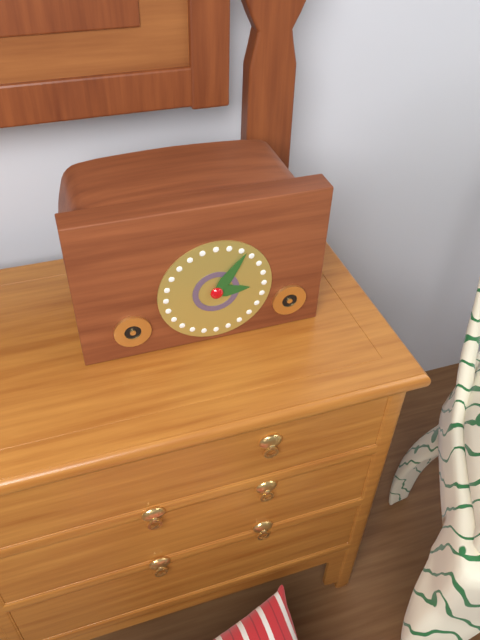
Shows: h=3 m=6
